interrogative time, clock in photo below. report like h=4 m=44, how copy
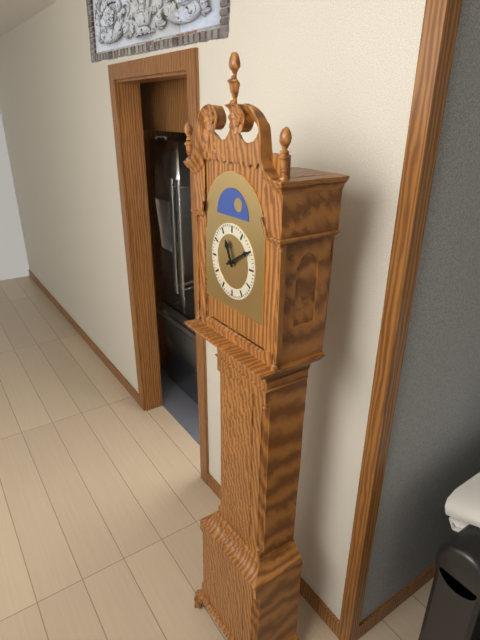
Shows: h=11 m=10
